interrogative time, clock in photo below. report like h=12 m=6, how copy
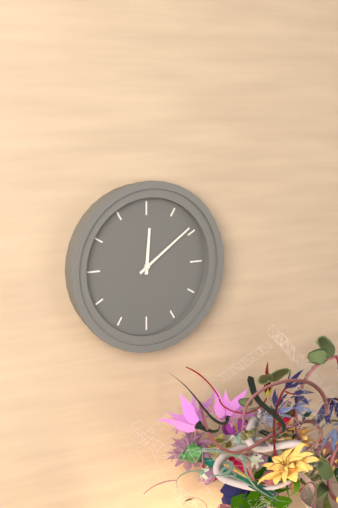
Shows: h=12 m=9
